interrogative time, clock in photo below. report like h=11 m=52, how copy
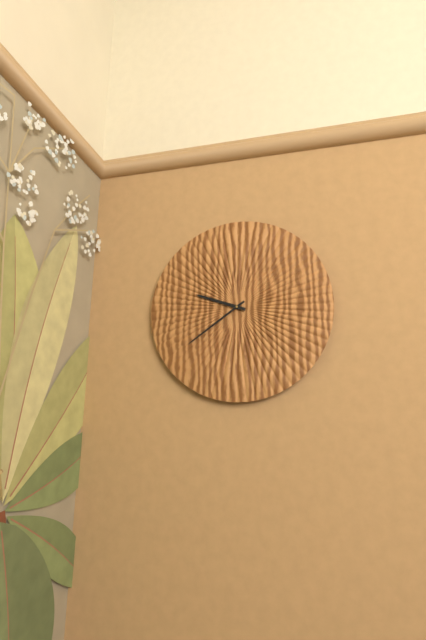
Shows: h=9 m=39
